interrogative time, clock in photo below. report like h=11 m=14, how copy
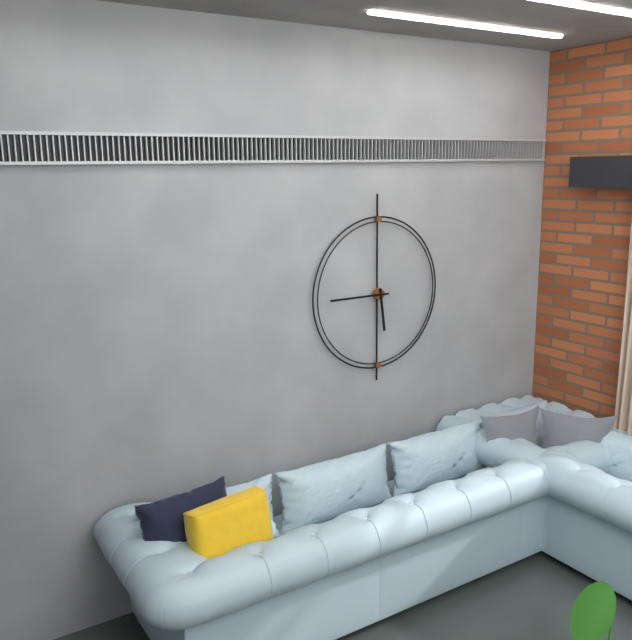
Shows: h=5 m=45
